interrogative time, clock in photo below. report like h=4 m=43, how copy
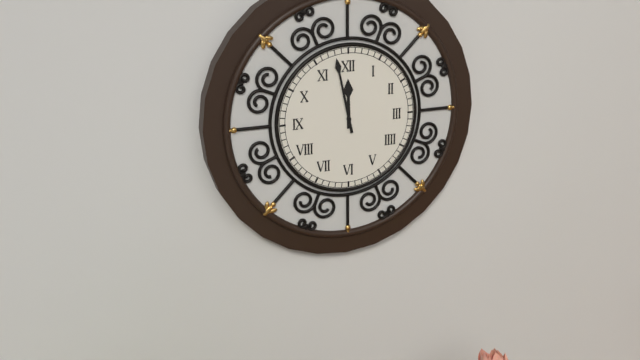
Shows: h=11 m=58
